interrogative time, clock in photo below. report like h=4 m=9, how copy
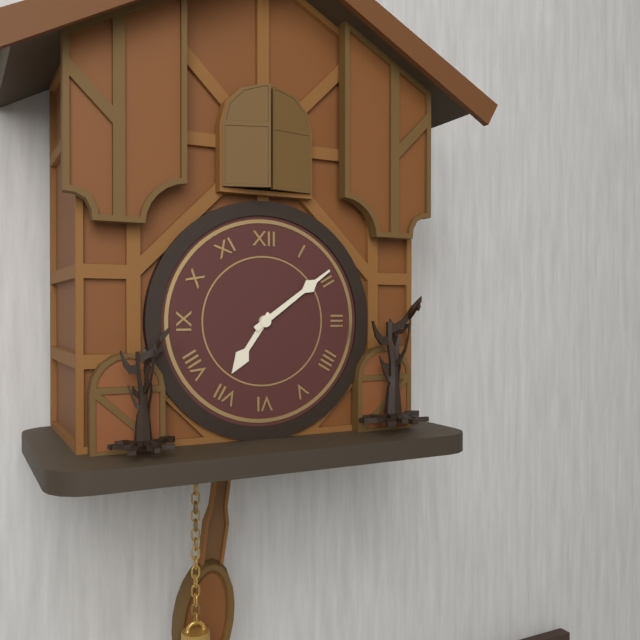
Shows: h=7 m=9
